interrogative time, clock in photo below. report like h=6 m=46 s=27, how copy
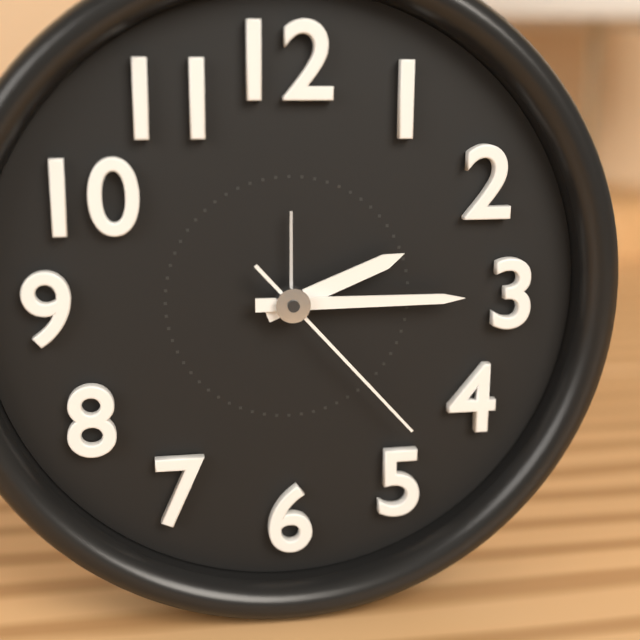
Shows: h=2 m=15 s=23
